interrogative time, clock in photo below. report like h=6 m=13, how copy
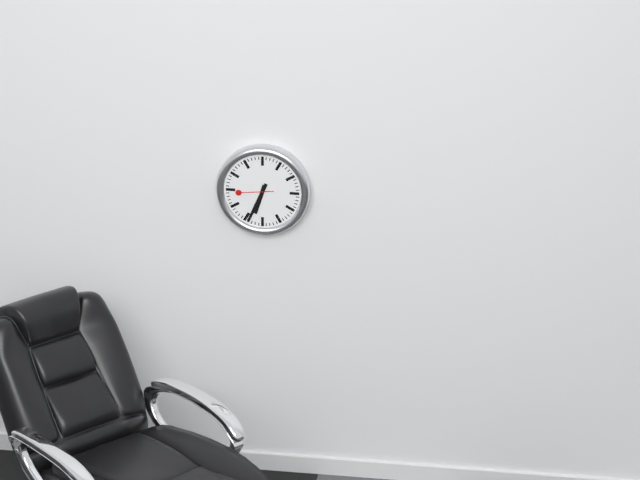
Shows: h=6 m=34
